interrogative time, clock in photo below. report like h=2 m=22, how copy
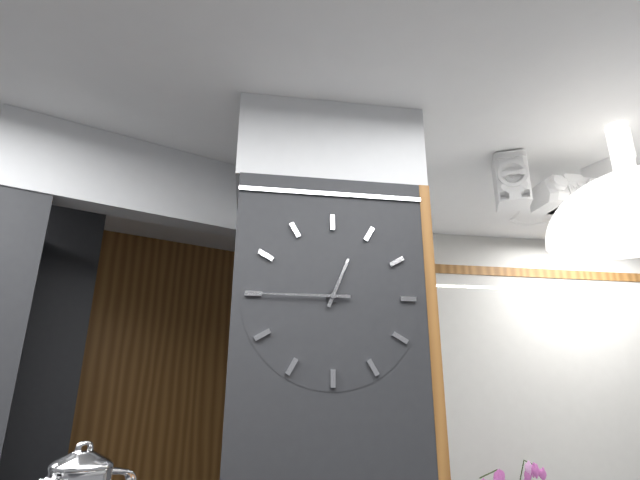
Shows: h=12 m=45
